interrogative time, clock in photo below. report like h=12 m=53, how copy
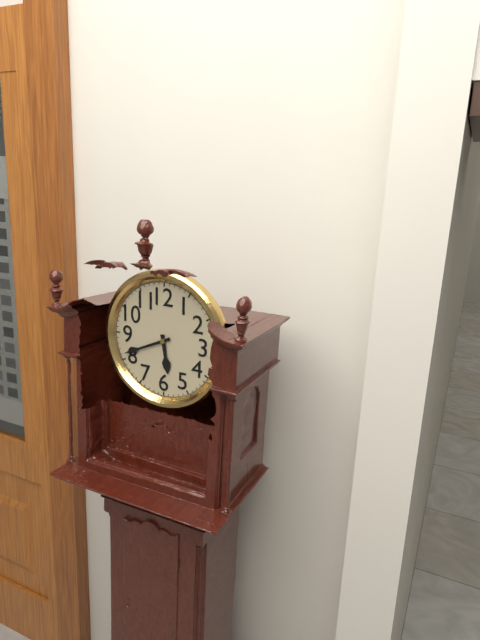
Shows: h=5 m=41
